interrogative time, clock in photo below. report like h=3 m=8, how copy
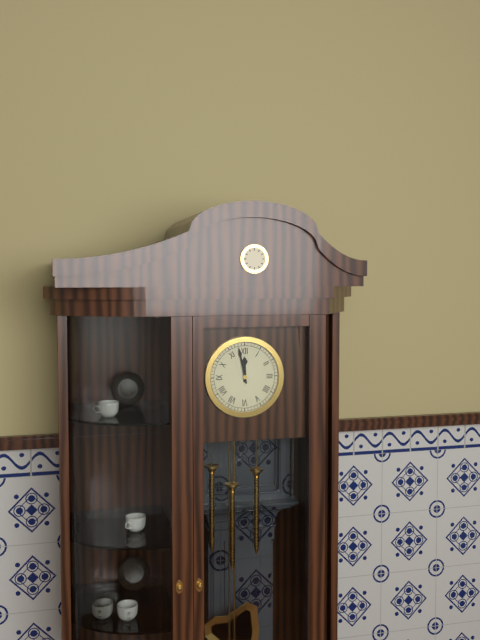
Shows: h=11 m=58
